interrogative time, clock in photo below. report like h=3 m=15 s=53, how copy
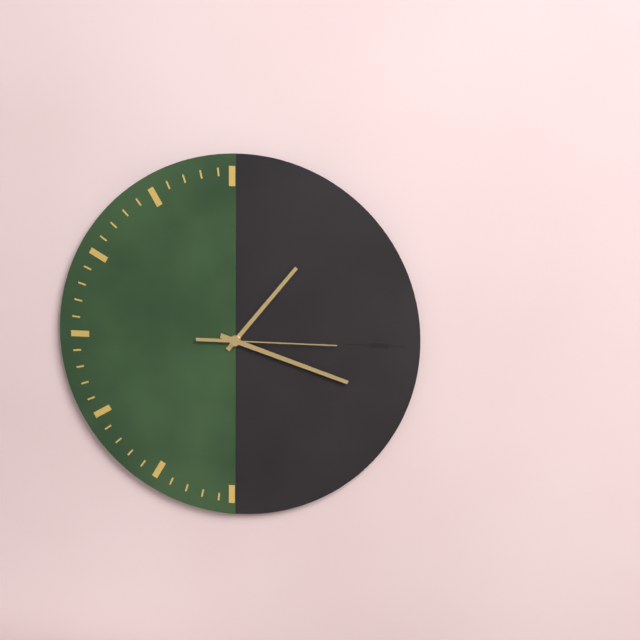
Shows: h=1 m=18 s=15
